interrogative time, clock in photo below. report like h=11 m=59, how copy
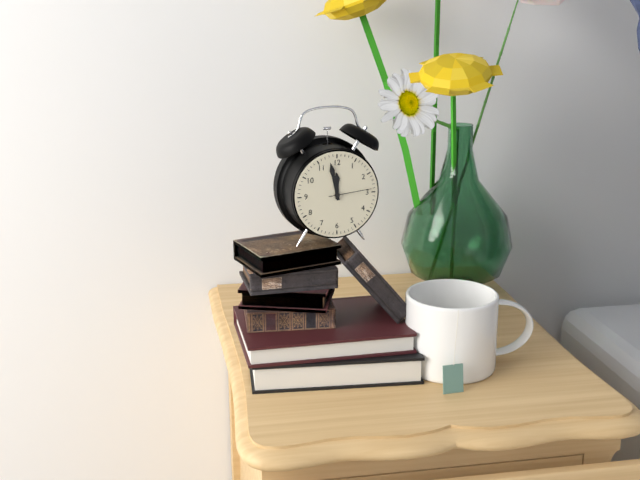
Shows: h=11 m=58
